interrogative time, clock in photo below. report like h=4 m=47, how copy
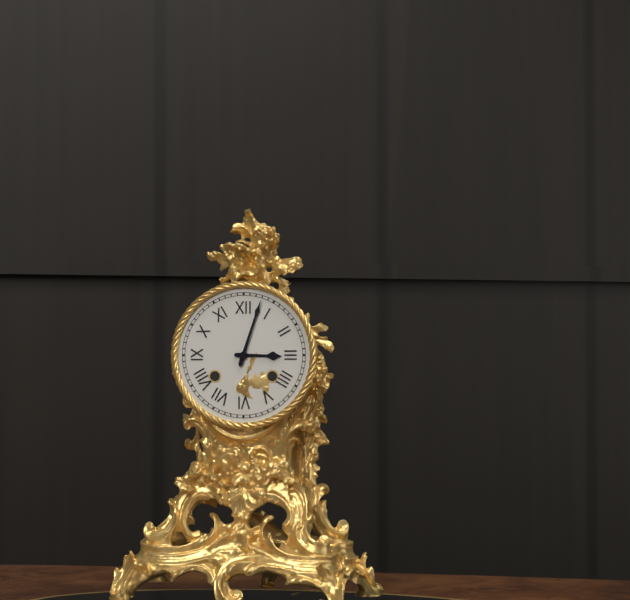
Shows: h=3 m=3
